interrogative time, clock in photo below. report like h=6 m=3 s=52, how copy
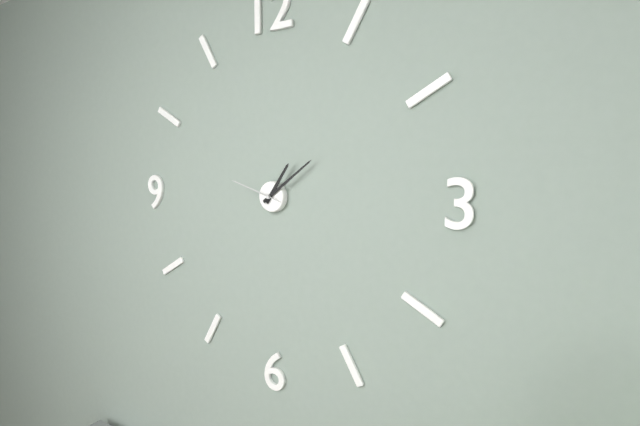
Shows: h=1 m=9 s=48
